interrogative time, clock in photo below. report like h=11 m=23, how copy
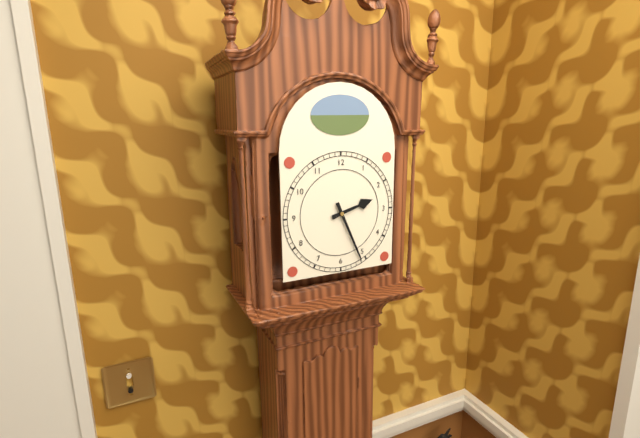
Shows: h=2 m=26
